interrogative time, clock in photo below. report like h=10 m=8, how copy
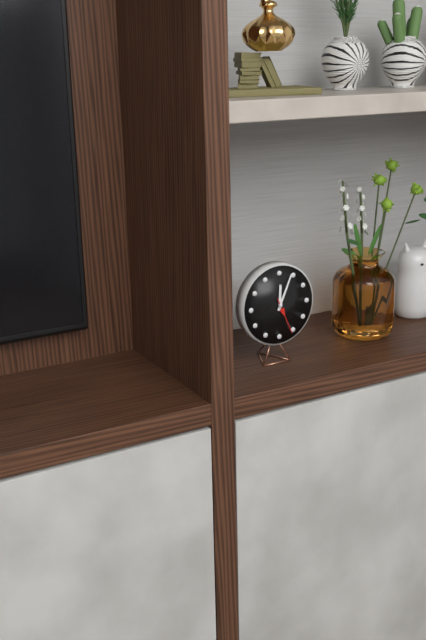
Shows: h=12 m=4
